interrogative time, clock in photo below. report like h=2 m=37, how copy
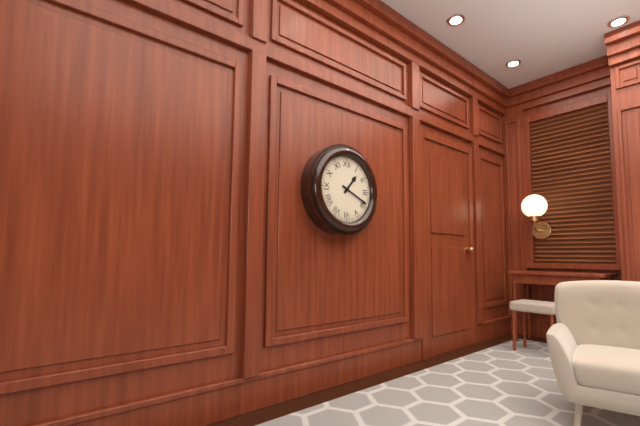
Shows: h=1 m=19
